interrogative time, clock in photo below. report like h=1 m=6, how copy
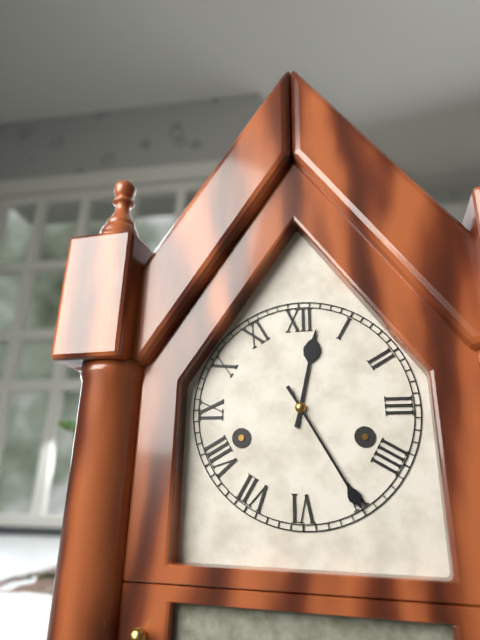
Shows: h=12 m=25
